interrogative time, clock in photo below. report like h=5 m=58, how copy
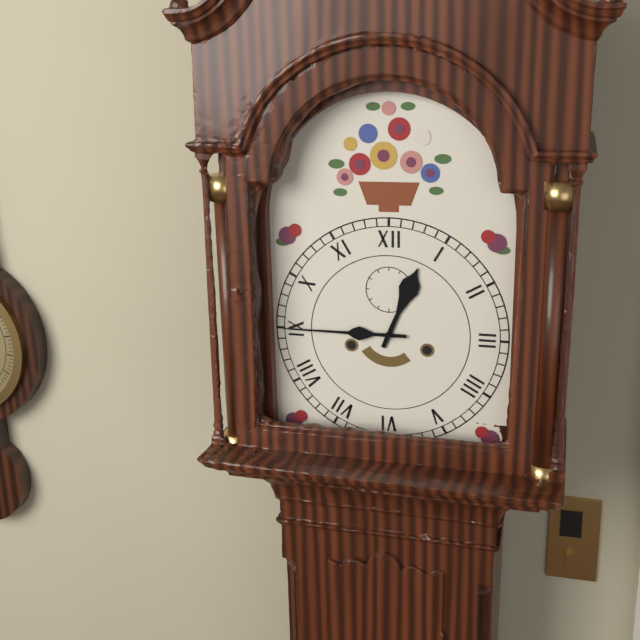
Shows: h=12 m=45
